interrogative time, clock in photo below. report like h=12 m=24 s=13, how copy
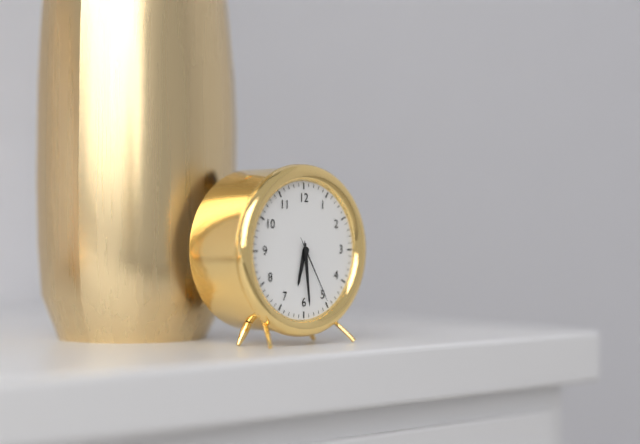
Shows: h=6 m=29 s=25
